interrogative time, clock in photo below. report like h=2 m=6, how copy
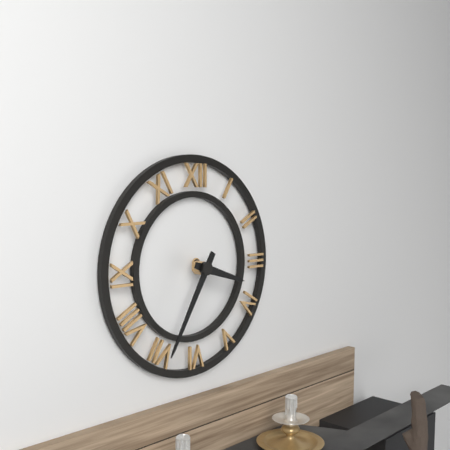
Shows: h=3 m=35
